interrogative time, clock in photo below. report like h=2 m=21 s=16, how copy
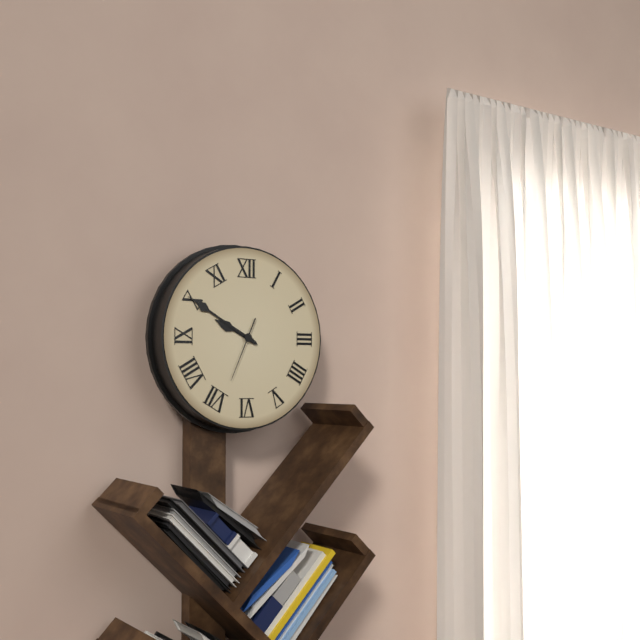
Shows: h=9 m=50 s=34
